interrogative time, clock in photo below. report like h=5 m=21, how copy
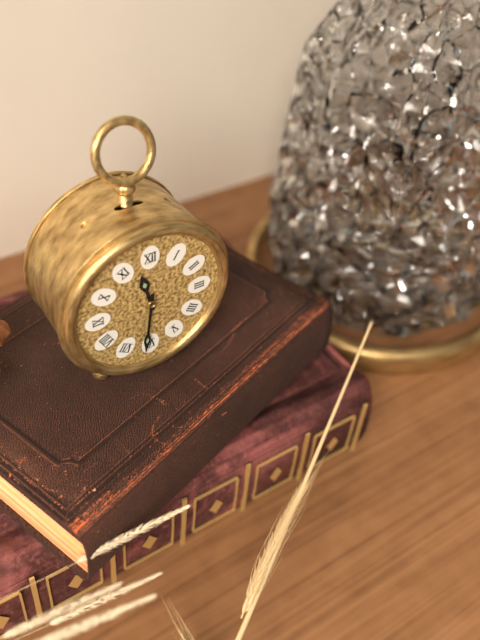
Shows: h=11 m=31
